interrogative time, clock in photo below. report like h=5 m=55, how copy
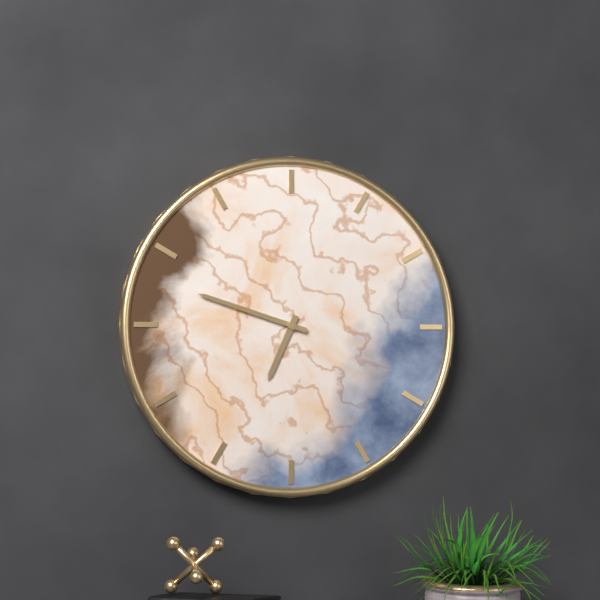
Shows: h=6 m=48
